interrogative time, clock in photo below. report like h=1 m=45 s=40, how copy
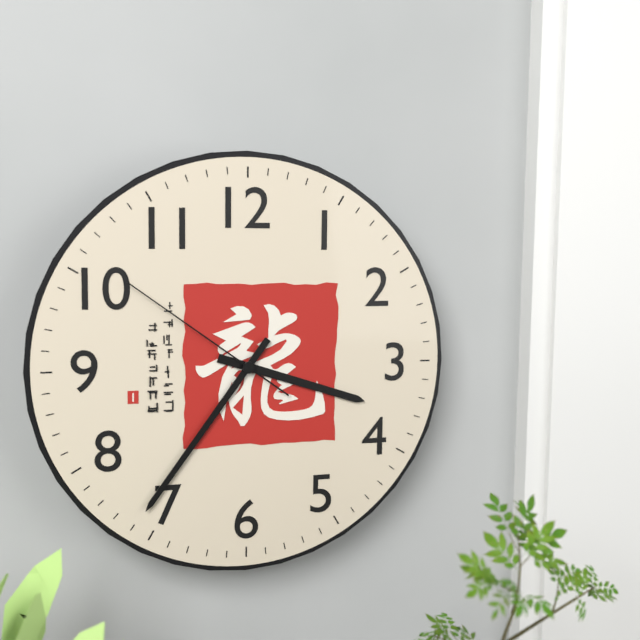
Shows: h=3 m=36 s=51
